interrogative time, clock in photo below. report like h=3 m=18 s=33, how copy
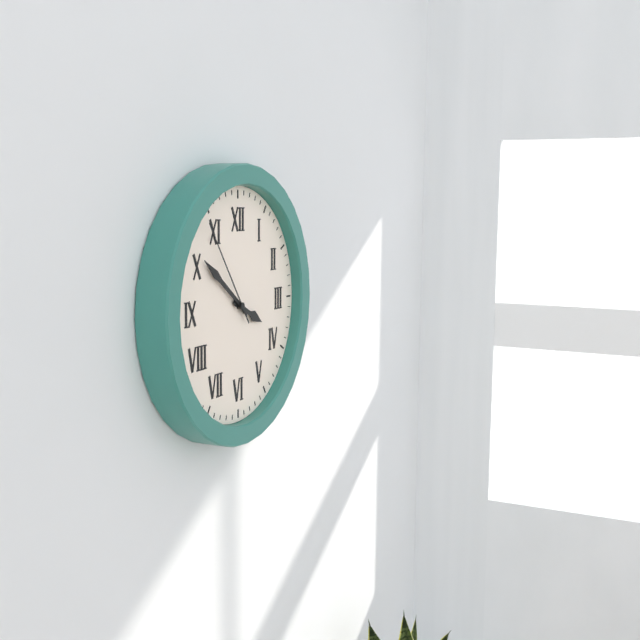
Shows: h=3 m=51 s=54
